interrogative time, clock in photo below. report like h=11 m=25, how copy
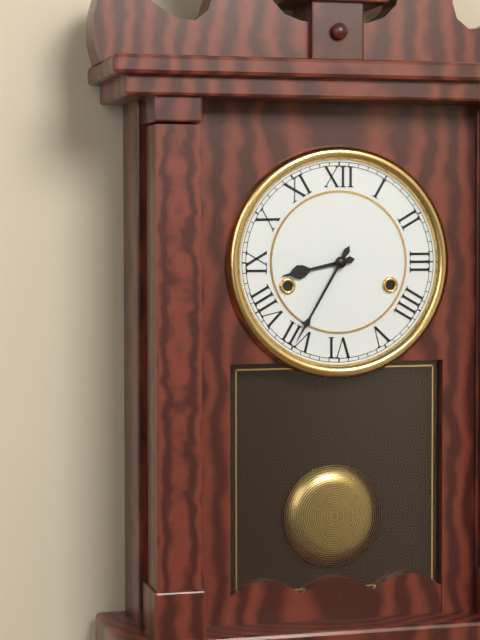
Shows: h=8 m=35
